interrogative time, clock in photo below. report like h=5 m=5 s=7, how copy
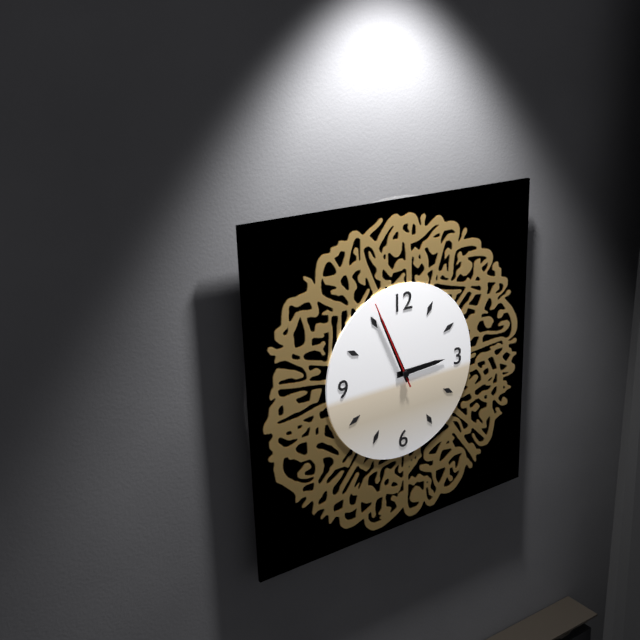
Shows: h=2 m=56 s=56
